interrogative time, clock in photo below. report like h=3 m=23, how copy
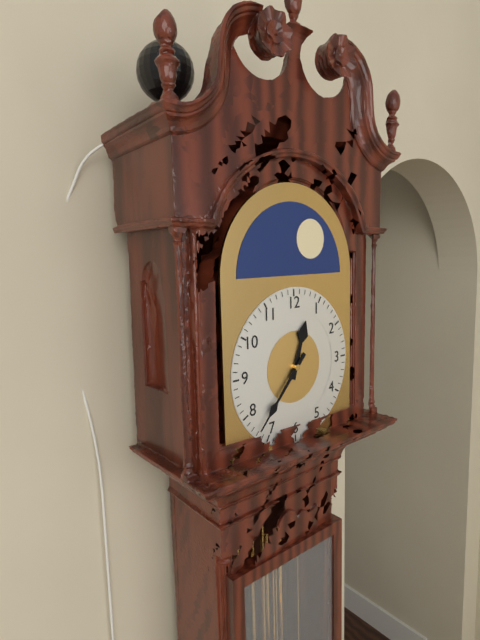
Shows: h=12 m=37
